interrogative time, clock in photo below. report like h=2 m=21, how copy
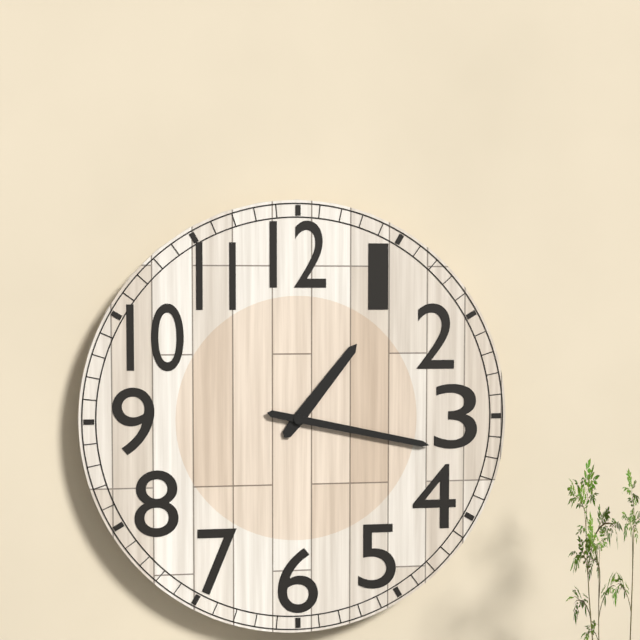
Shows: h=1 m=17
